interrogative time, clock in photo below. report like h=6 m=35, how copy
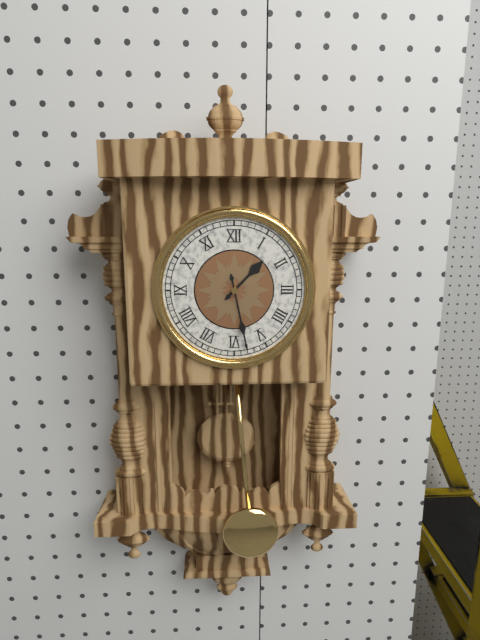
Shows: h=1 m=28
